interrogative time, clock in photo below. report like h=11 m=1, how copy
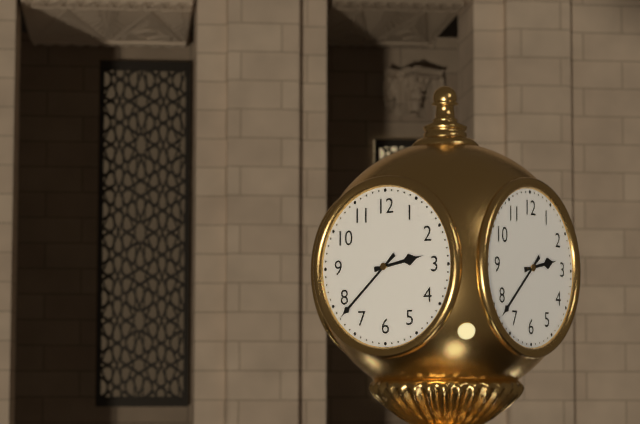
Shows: h=2 m=38
